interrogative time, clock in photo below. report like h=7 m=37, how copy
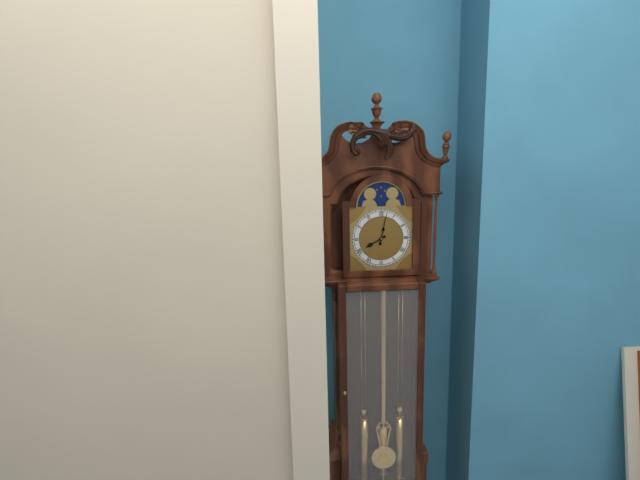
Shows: h=8 m=2
